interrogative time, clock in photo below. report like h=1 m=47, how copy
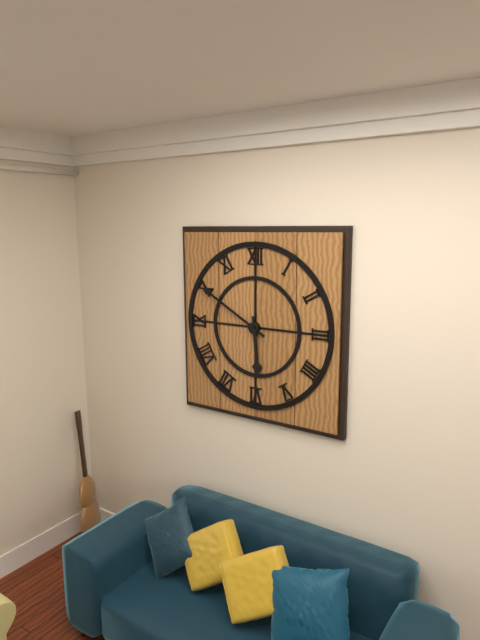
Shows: h=5 m=50
